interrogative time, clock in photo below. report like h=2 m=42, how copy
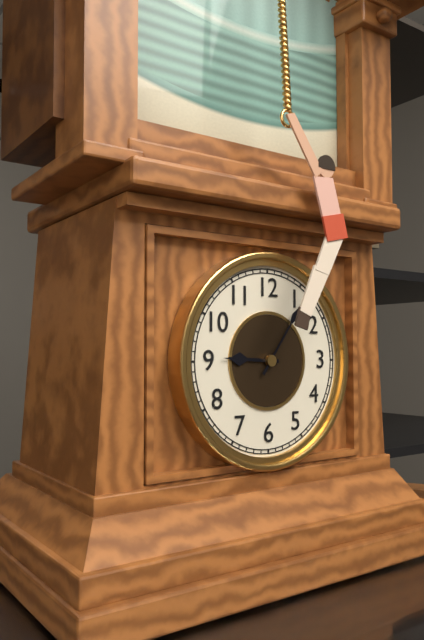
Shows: h=9 m=6
